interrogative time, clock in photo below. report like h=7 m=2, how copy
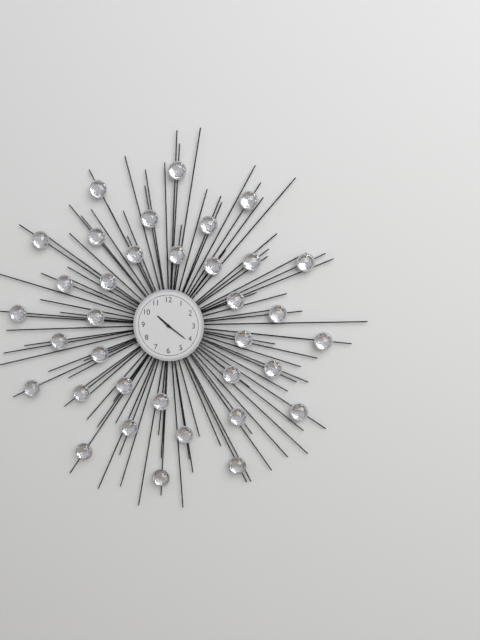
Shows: h=10 m=21
